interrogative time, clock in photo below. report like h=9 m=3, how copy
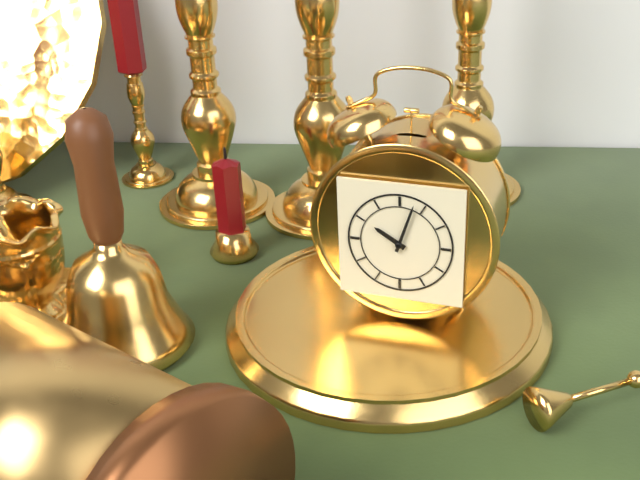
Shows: h=10 m=3
